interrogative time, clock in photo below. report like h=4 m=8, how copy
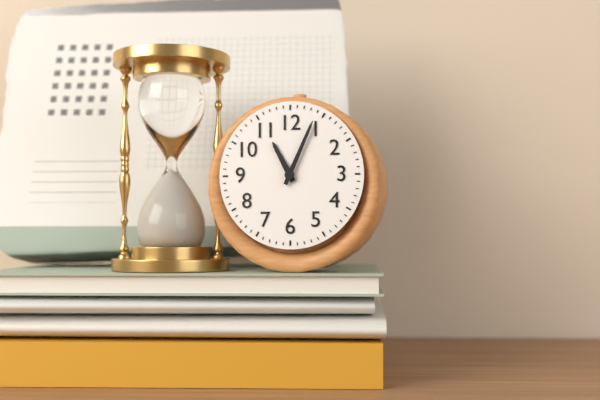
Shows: h=11 m=4
